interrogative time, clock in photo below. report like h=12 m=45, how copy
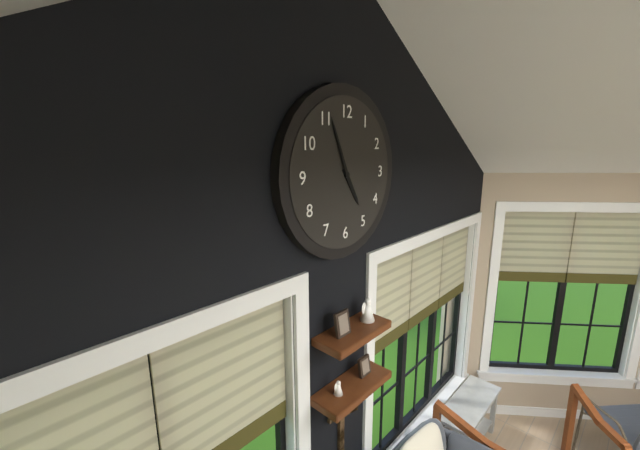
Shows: h=4 m=56
